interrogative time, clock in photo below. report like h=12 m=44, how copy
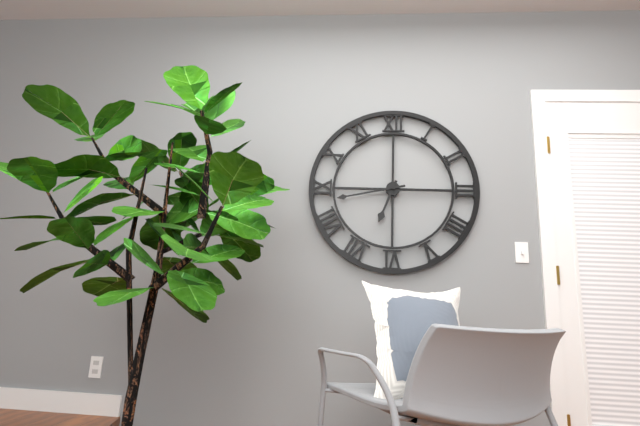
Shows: h=6 m=43
